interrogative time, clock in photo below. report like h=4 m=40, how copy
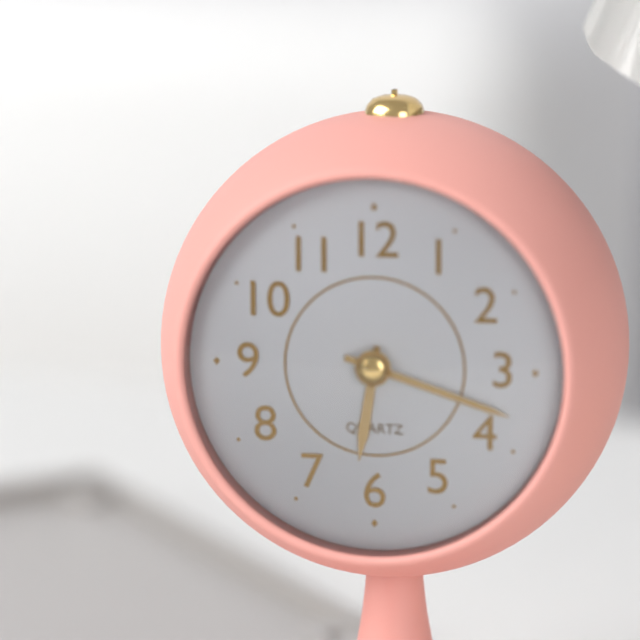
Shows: h=6 m=18
